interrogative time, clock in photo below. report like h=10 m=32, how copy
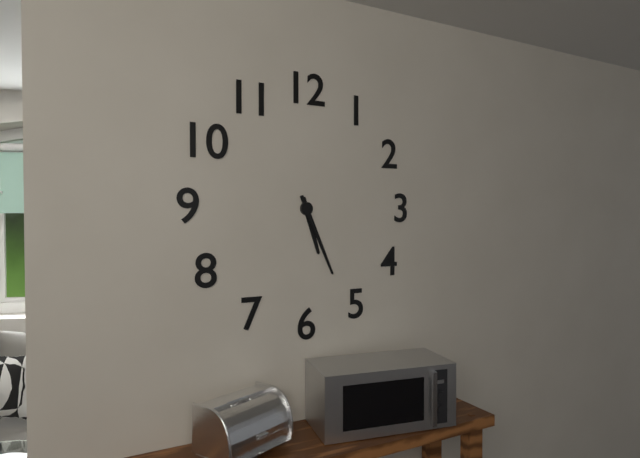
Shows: h=5 m=26
